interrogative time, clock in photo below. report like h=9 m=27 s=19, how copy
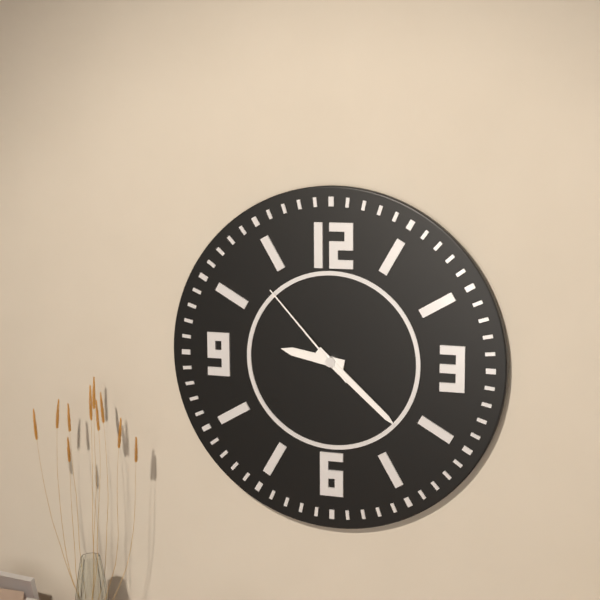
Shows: h=9 m=22 s=53
